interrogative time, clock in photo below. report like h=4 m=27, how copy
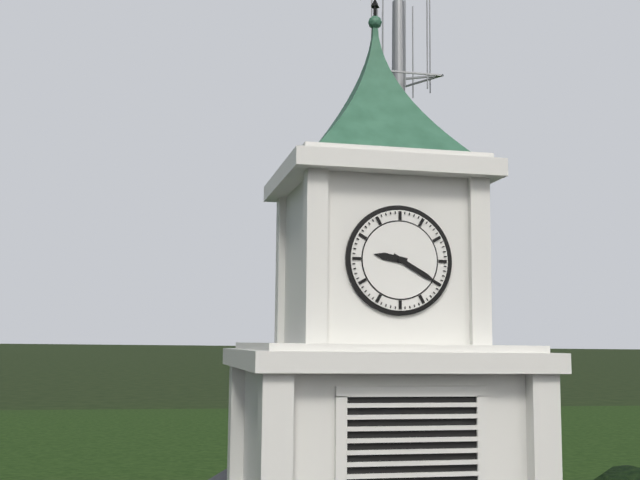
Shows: h=9 m=20
